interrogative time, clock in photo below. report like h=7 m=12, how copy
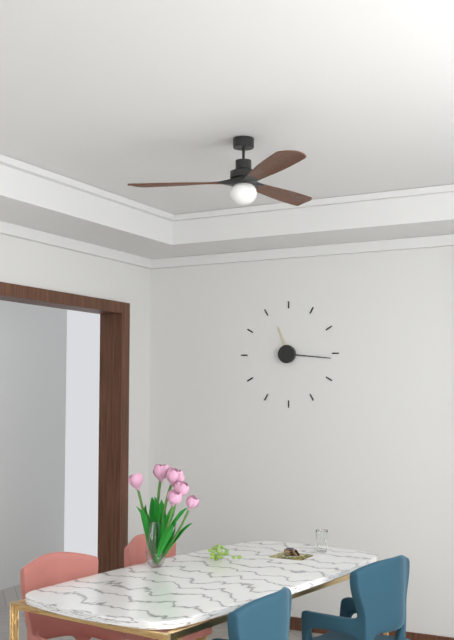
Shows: h=11 m=16
